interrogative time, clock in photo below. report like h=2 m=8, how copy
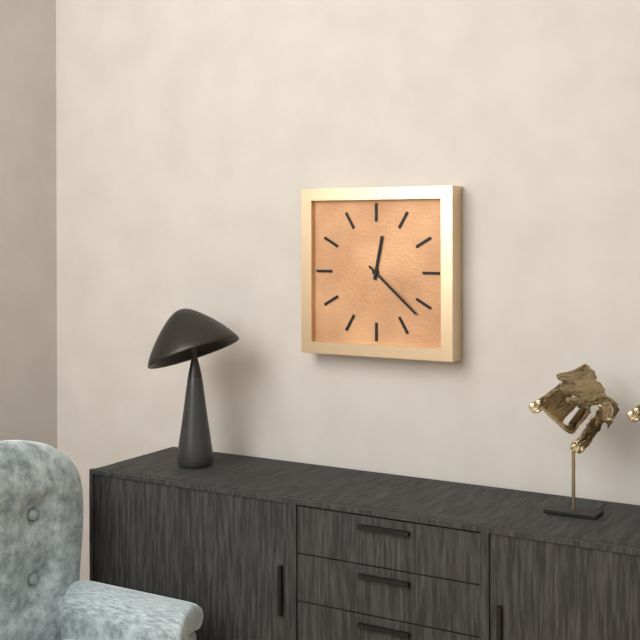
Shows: h=12 m=22
